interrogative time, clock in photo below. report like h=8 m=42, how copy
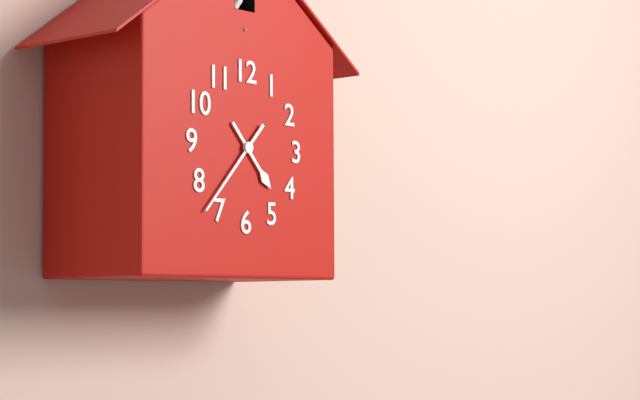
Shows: h=4 m=37
